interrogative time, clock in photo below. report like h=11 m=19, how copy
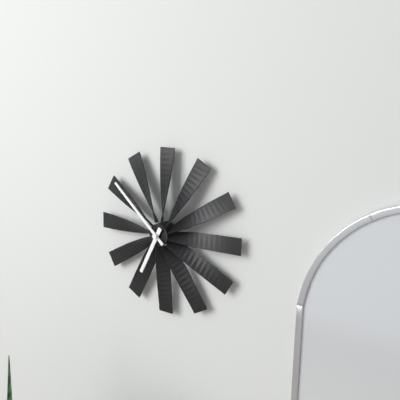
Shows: h=6 m=52
